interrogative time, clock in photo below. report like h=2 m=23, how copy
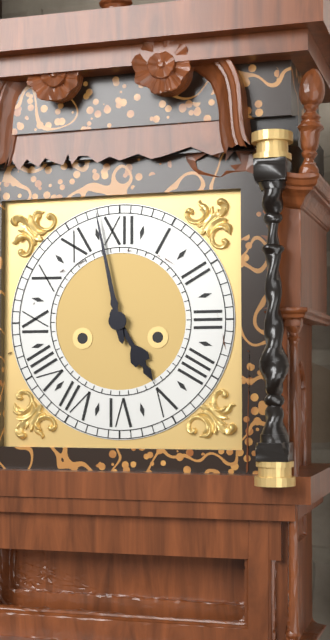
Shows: h=4 m=58
